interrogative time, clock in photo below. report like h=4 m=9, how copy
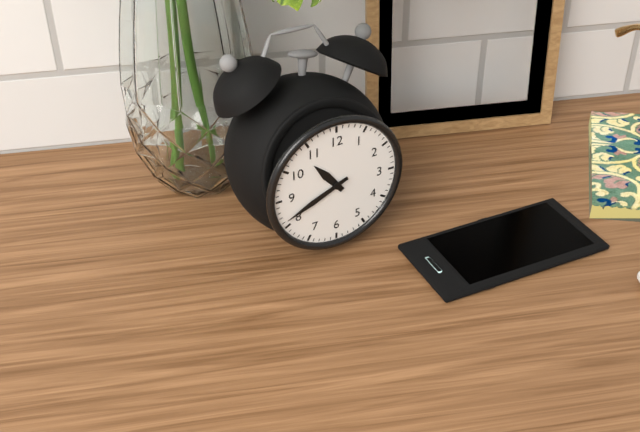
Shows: h=10 m=41
